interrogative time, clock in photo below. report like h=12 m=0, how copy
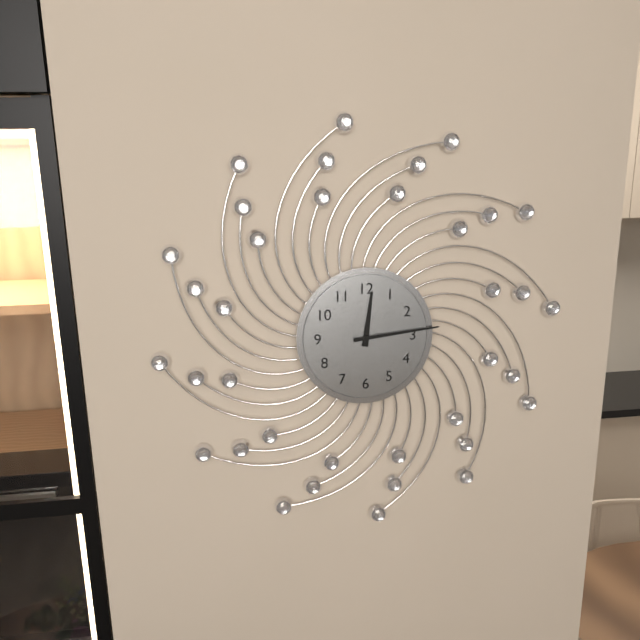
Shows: h=12 m=14
